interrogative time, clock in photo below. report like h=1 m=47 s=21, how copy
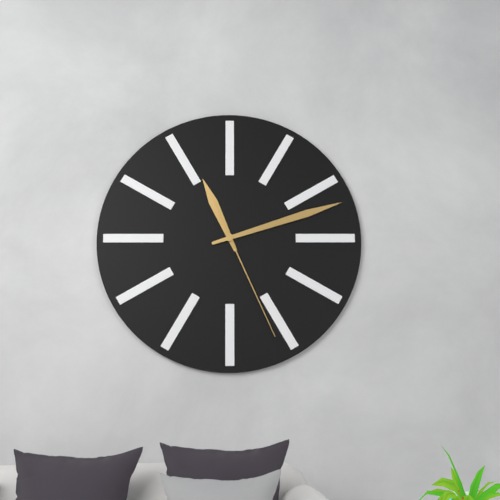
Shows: h=11 m=12 s=26
